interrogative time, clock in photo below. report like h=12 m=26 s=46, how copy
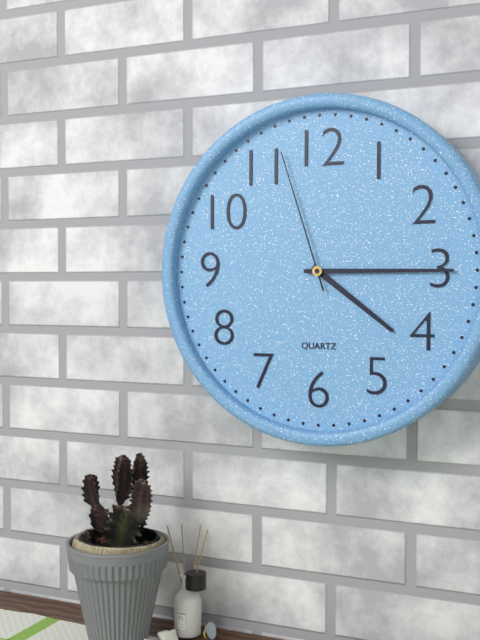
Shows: h=4 m=15 s=57
